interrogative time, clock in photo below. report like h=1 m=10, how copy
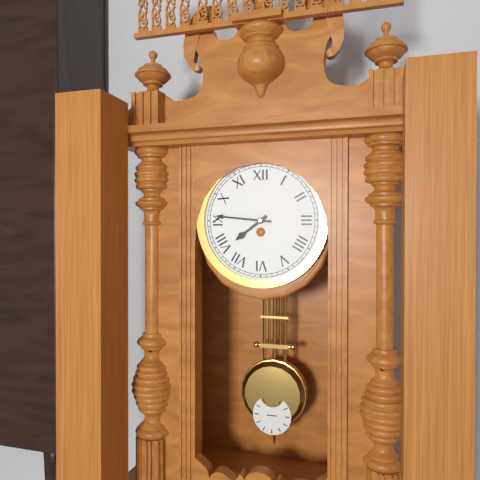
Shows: h=7 m=46
